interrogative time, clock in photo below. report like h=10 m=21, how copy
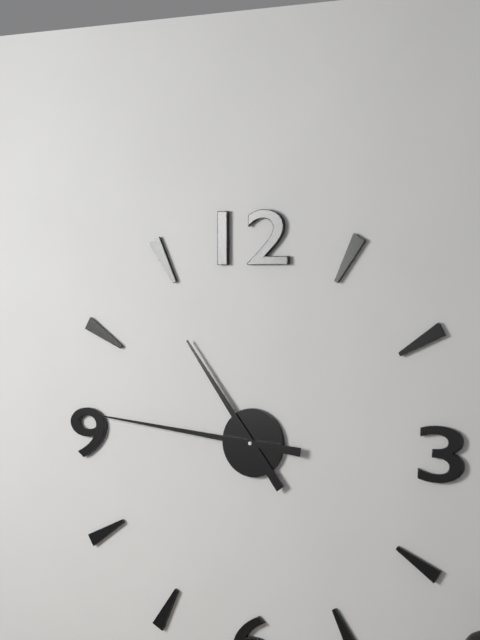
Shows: h=10 m=46
